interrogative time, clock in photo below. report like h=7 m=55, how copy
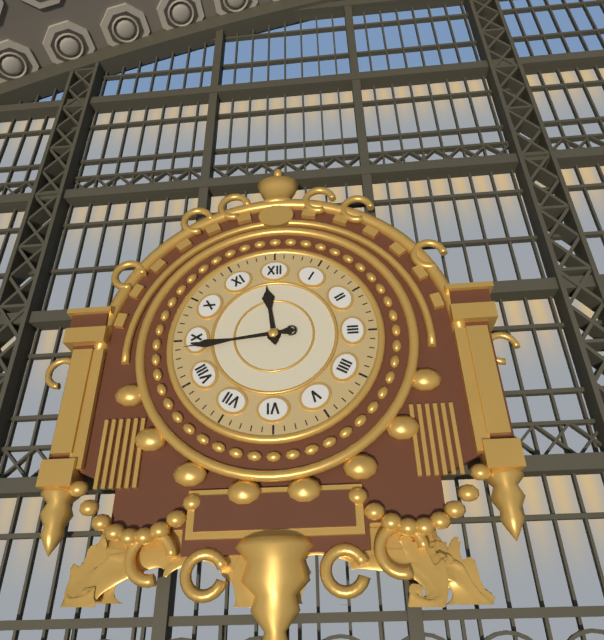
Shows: h=11 m=44
